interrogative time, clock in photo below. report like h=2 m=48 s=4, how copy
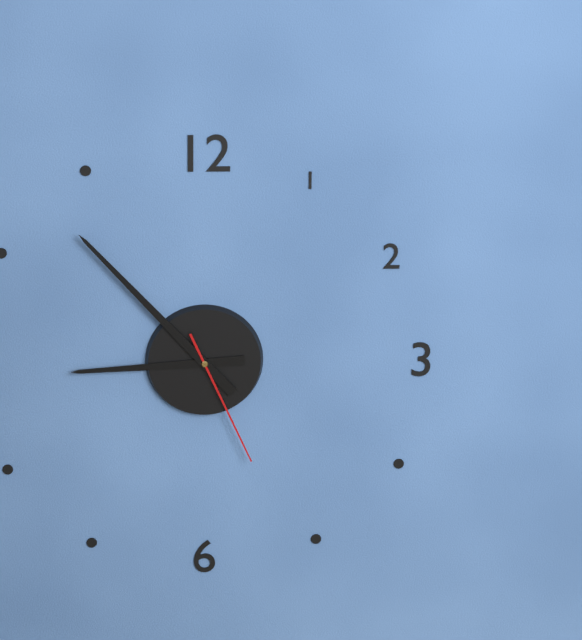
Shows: h=8 m=53 s=26
